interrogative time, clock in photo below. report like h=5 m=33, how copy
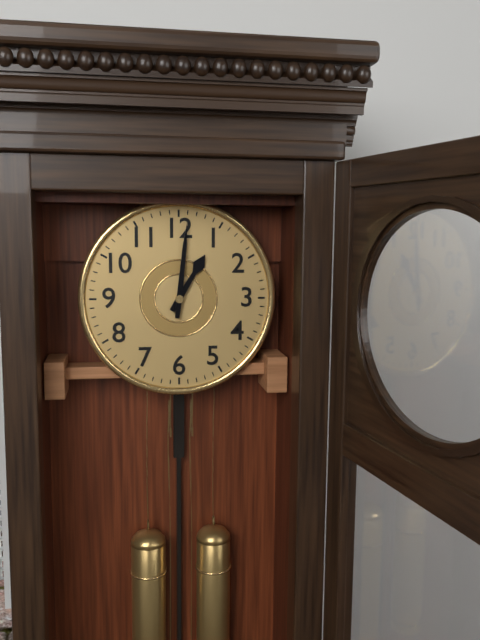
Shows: h=1 m=1
